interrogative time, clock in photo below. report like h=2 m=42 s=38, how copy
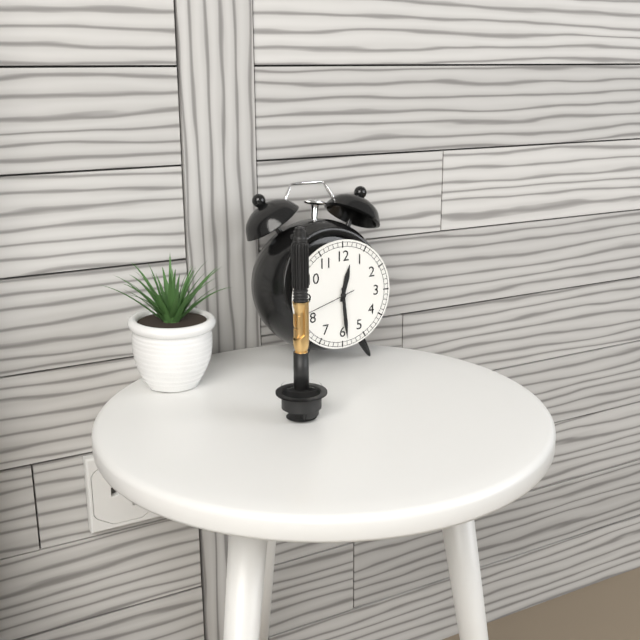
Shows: h=12 m=29 s=42
